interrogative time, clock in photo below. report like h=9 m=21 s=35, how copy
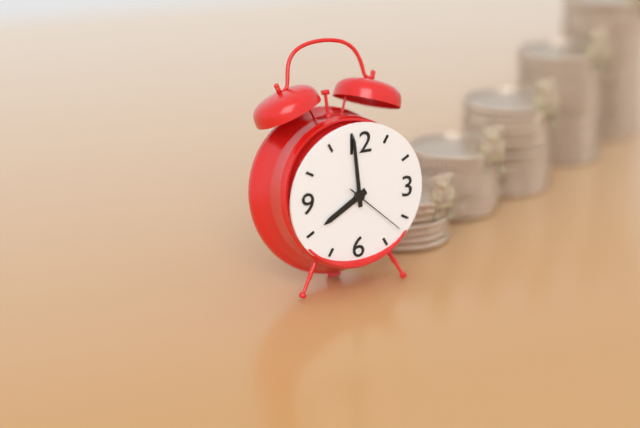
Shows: h=7 m=59 s=22
